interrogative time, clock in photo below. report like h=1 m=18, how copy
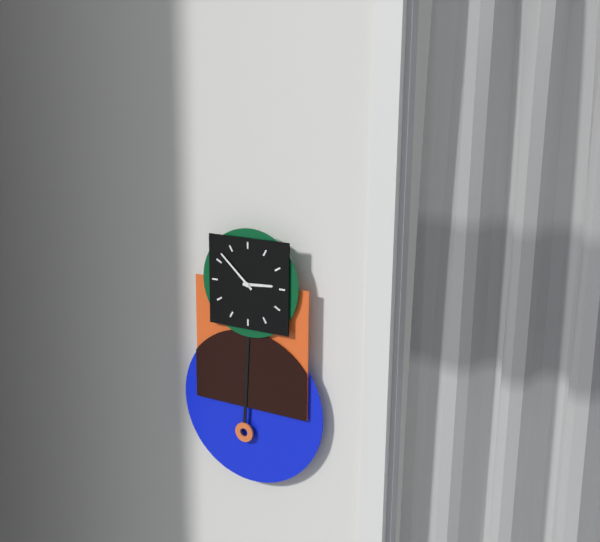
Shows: h=2 m=52
